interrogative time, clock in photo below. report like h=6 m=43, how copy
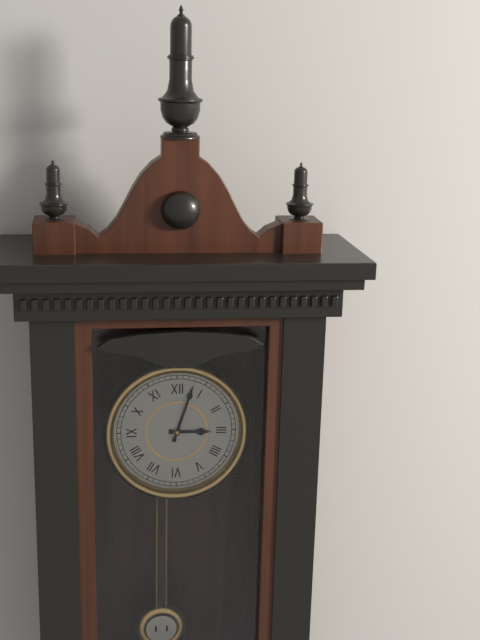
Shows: h=3 m=3
